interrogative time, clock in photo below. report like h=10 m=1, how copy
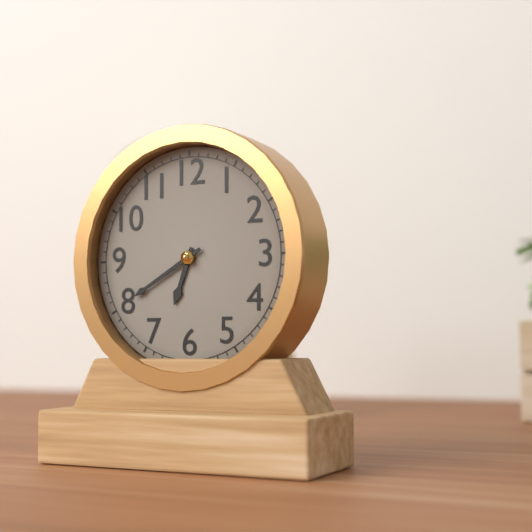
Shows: h=6 m=40
